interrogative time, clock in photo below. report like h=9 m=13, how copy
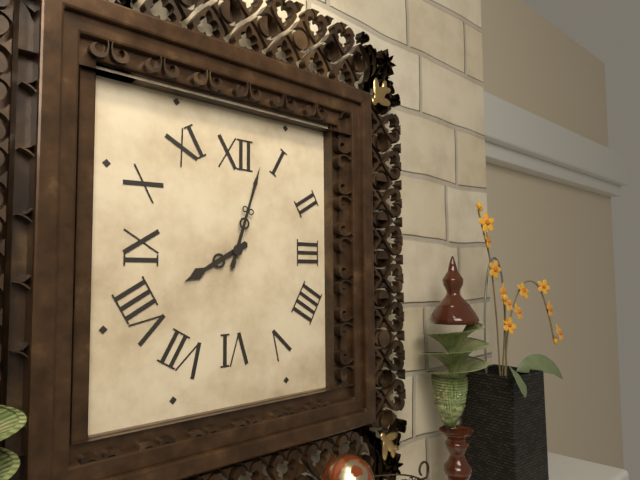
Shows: h=8 m=3
